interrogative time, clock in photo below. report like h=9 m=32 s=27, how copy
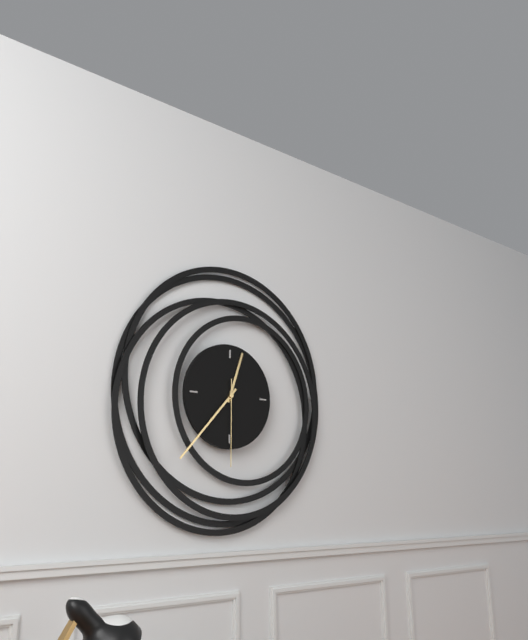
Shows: h=12 m=37 s=30
